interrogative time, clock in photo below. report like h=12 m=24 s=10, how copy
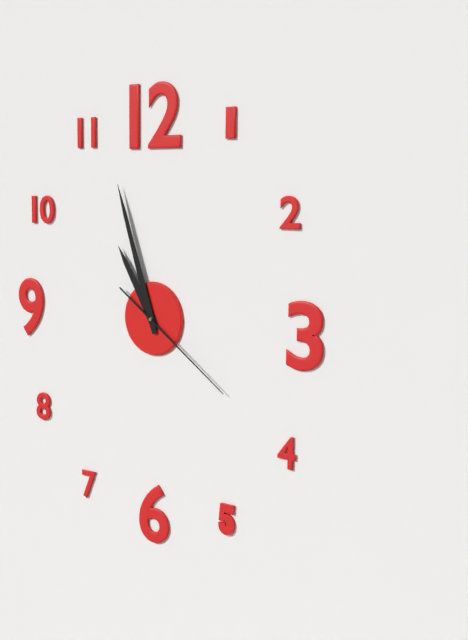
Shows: h=10 m=57 s=21
